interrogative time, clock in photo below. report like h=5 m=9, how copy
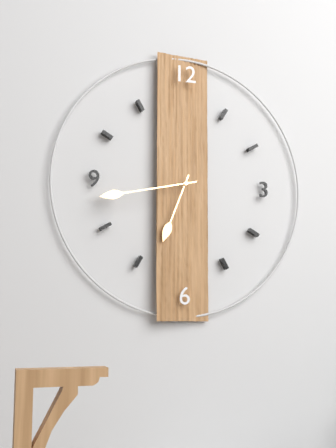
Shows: h=6 m=43
